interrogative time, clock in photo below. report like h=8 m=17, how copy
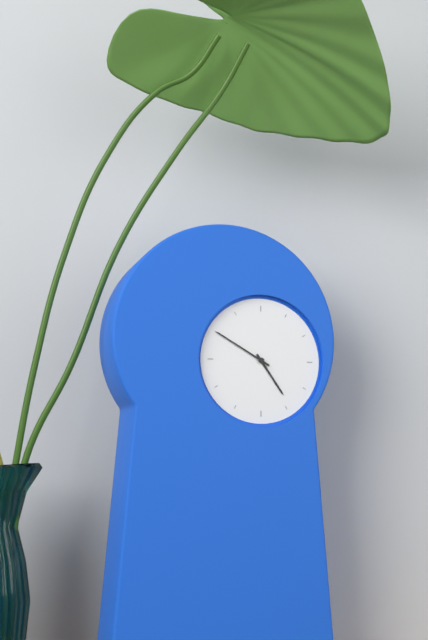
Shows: h=4 m=50
